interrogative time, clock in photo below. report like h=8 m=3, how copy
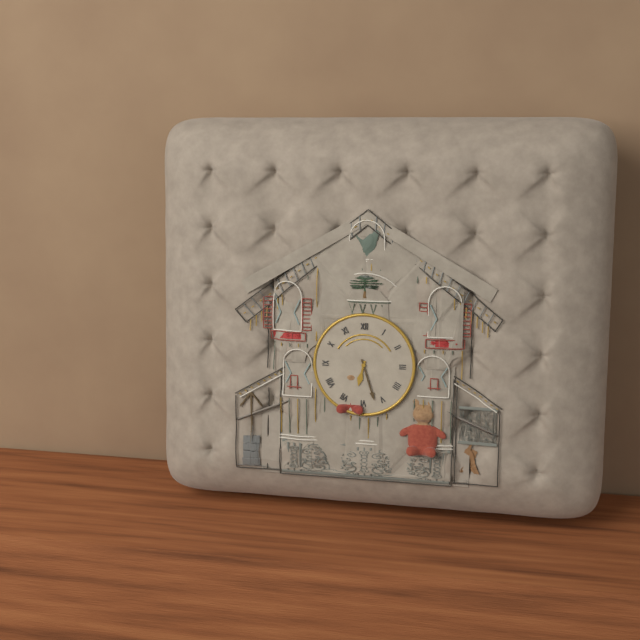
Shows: h=6 m=27
